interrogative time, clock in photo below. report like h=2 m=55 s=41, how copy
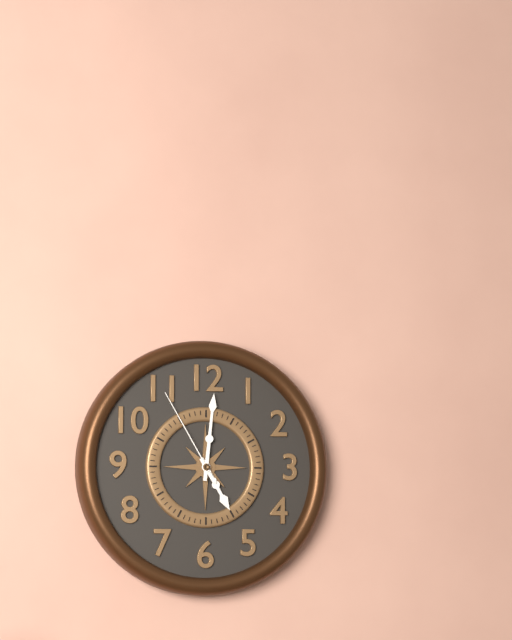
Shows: h=5 m=1 s=55
